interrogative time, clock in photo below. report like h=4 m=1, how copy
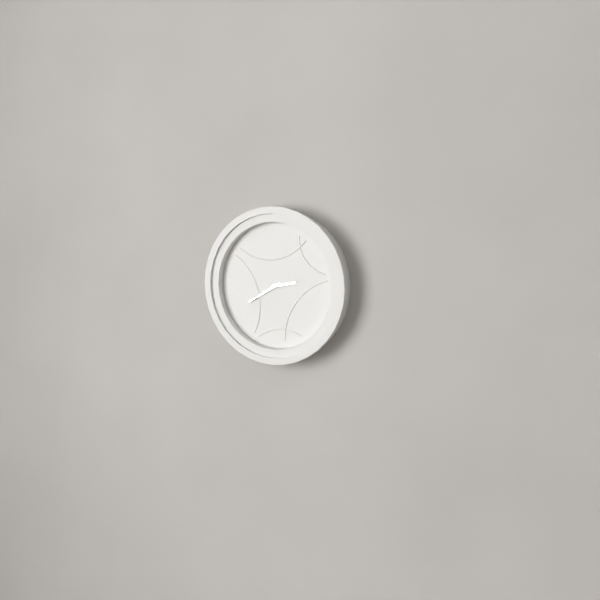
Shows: h=2 m=40
